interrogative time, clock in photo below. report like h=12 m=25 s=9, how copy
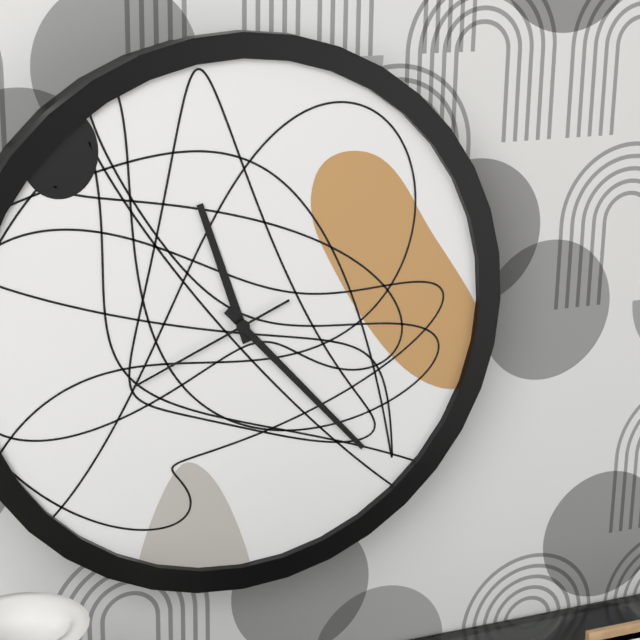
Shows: h=11 m=23 s=41
